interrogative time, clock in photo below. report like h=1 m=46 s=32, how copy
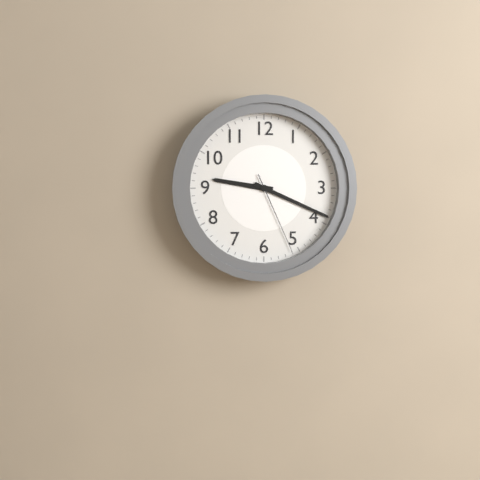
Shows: h=9 m=19 s=26
